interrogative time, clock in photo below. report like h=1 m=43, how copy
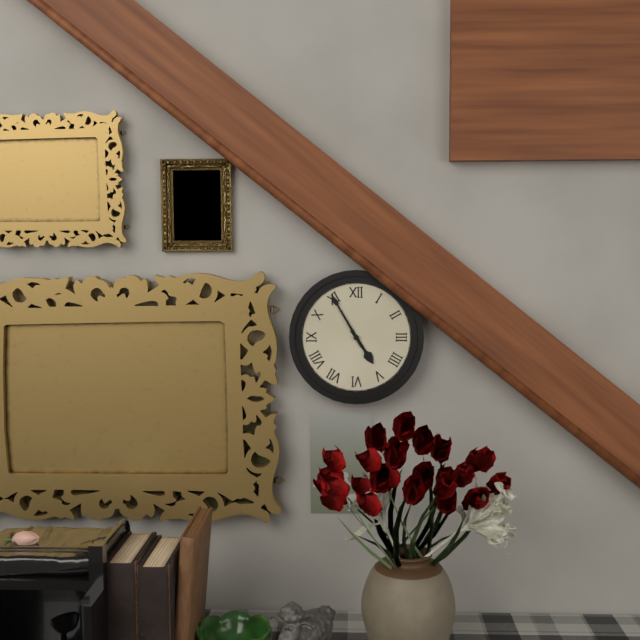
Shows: h=4 m=55
